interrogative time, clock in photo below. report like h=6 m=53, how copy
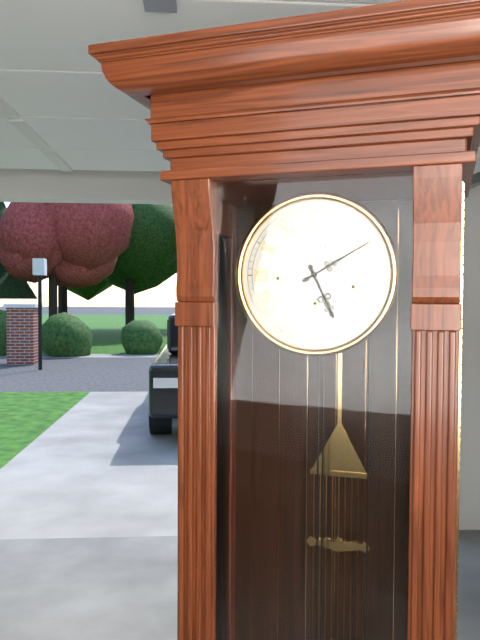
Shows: h=5 m=10
